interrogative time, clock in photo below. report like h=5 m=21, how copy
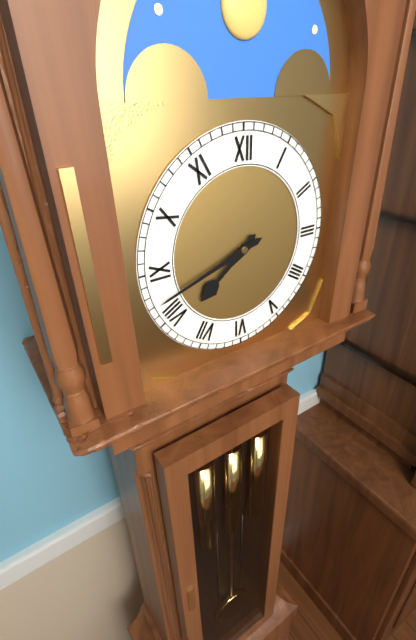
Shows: h=7 m=42
